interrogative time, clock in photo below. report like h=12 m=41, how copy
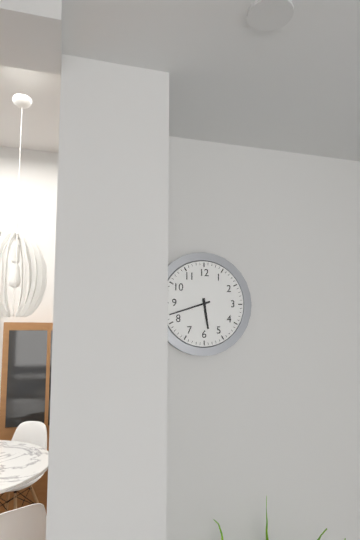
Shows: h=5 m=42
